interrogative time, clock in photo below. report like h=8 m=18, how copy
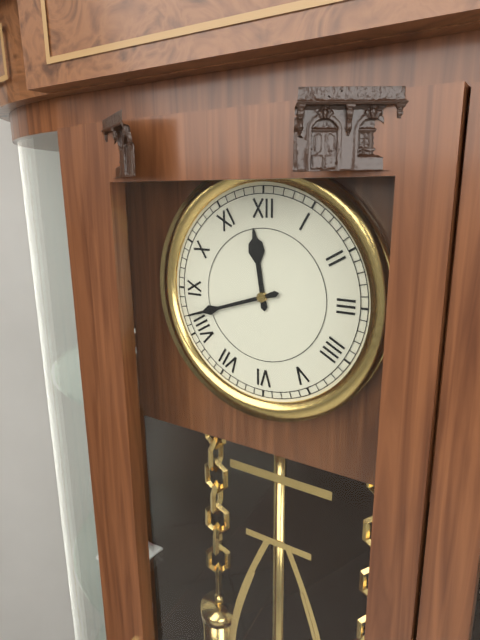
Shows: h=11 m=42
